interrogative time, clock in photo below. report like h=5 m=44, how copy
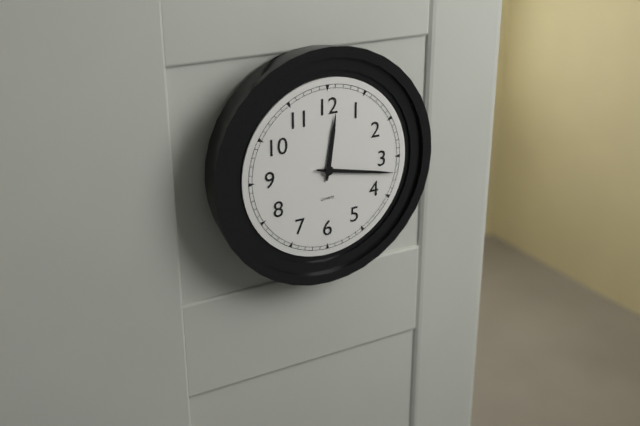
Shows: h=12 m=17
